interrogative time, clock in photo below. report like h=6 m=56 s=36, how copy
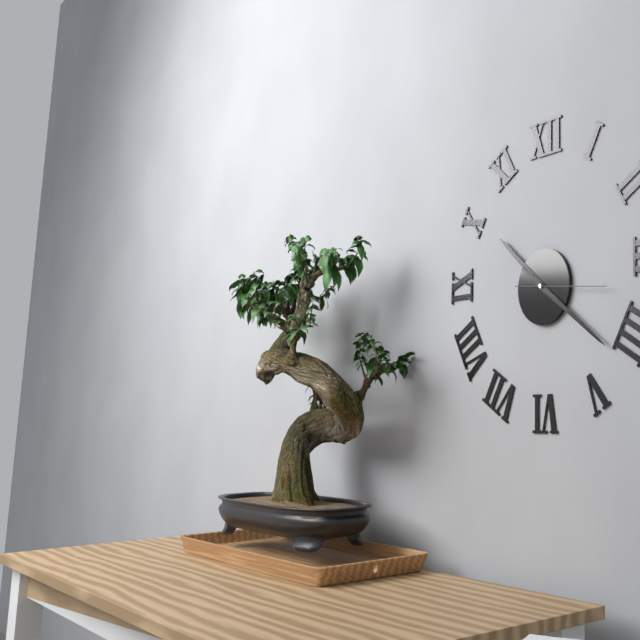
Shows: h=10 m=21 s=16
